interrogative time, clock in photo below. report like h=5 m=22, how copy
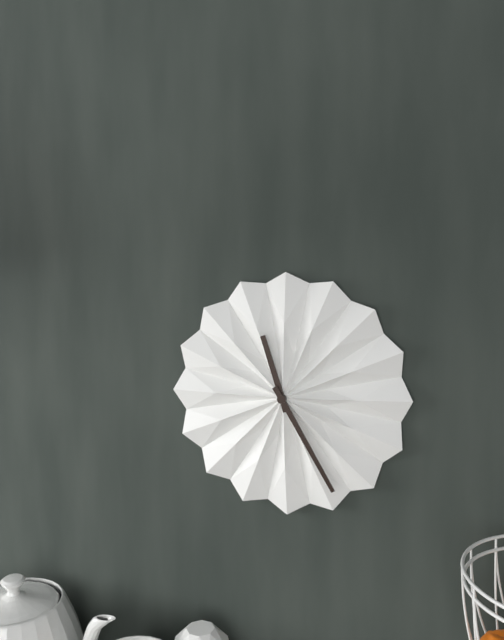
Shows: h=11 m=25
